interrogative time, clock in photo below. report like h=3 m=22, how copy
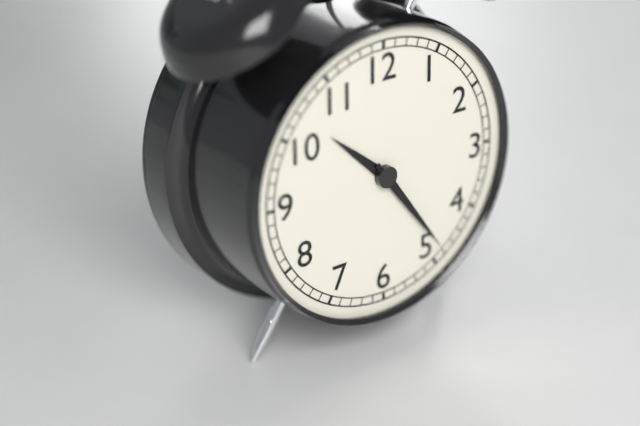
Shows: h=10 m=24
